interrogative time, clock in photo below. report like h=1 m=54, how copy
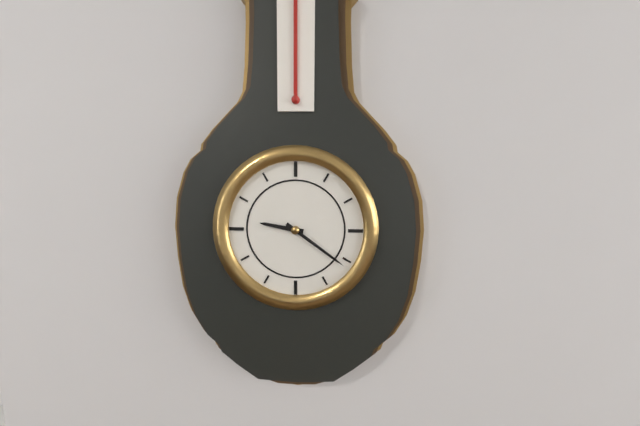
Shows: h=9 m=21
